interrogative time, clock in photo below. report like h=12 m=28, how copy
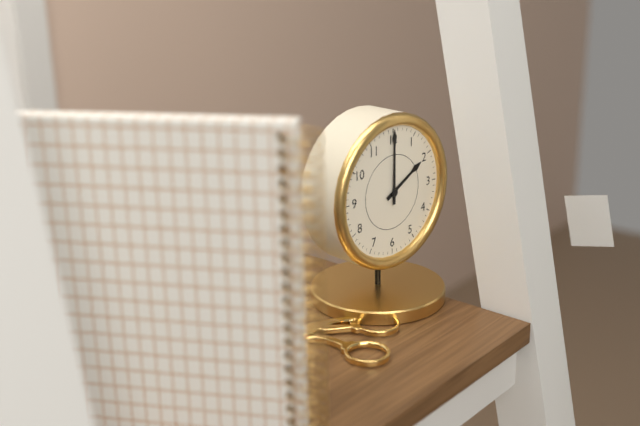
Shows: h=2 m=0
